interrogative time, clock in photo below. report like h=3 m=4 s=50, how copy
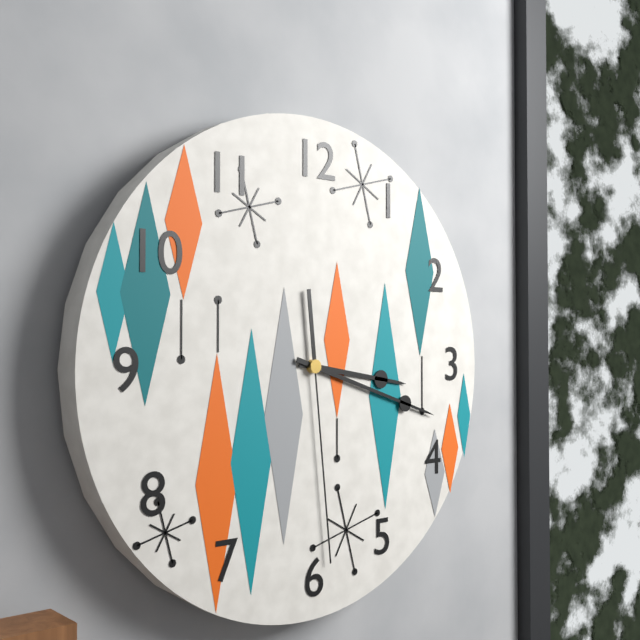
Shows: h=3 m=18 s=29
